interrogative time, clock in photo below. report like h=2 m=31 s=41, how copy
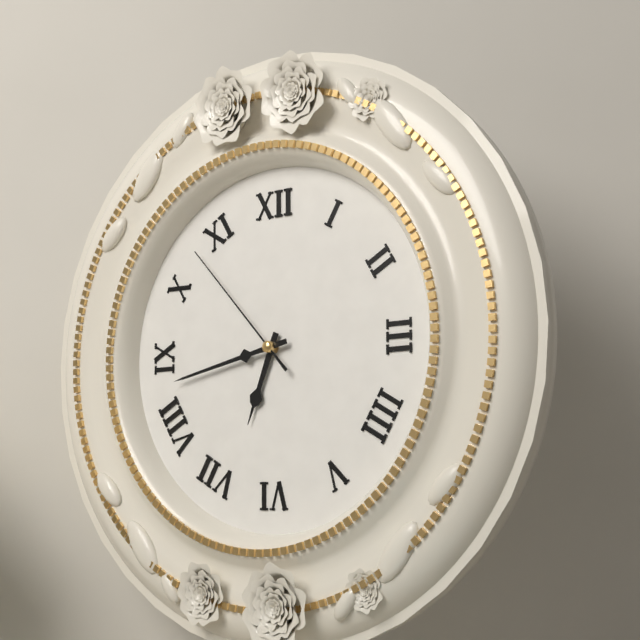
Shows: h=6 m=43 s=53
